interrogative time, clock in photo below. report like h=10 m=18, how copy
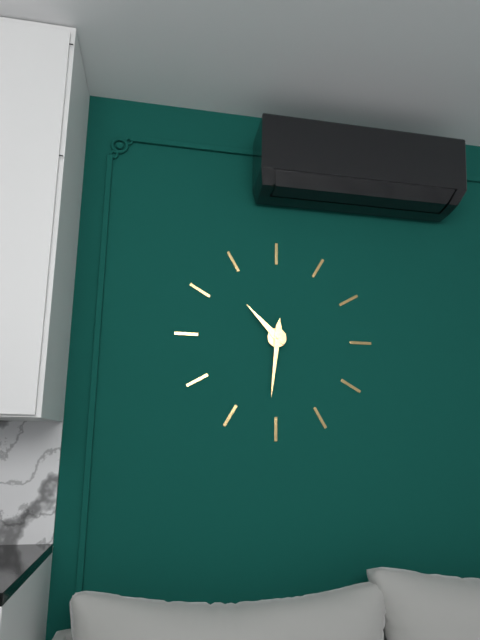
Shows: h=10 m=31
